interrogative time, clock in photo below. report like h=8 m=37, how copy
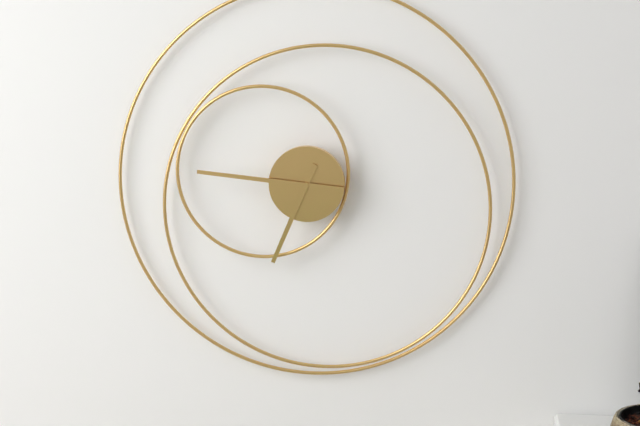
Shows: h=6 m=46
